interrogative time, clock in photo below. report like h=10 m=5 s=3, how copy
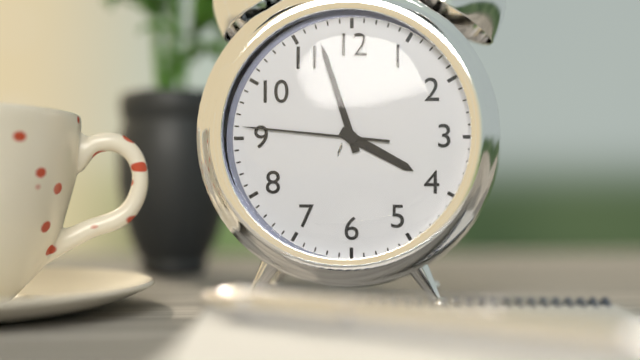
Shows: h=3 m=57 s=46
